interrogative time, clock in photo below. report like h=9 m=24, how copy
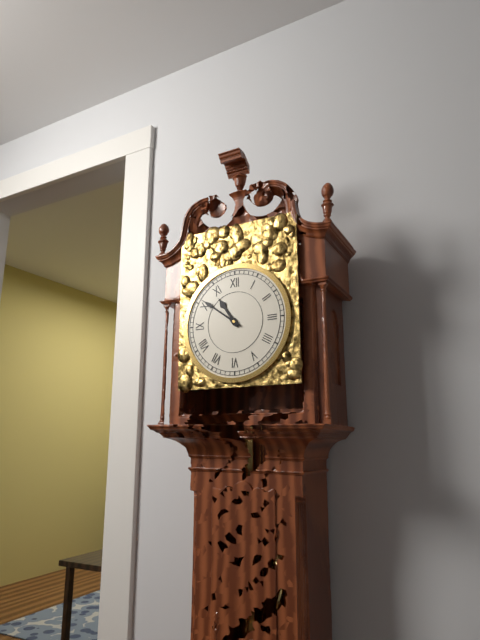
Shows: h=10 m=51
